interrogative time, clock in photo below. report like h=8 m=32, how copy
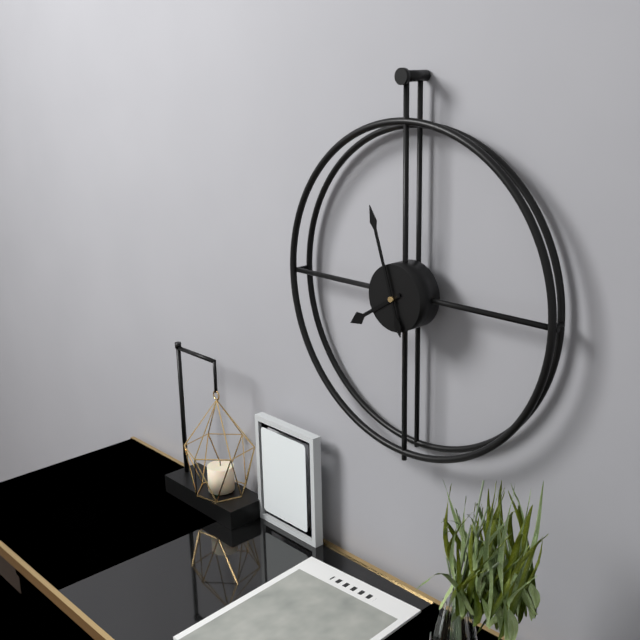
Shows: h=7 m=57
